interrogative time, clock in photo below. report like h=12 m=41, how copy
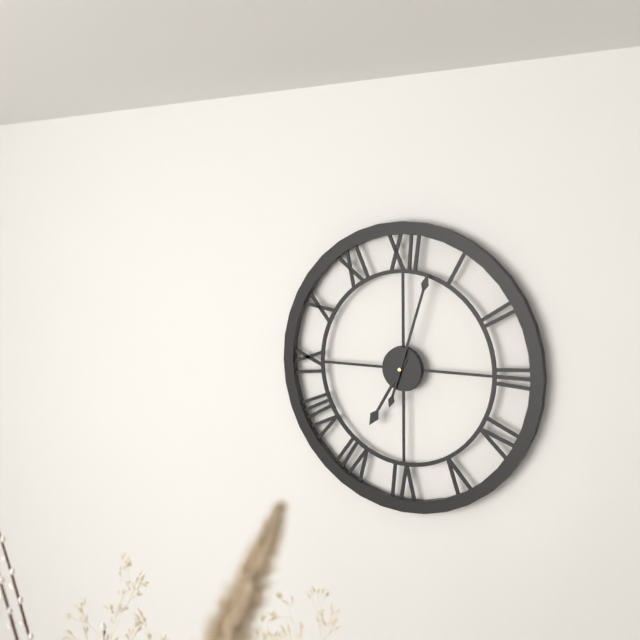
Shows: h=7 m=3
